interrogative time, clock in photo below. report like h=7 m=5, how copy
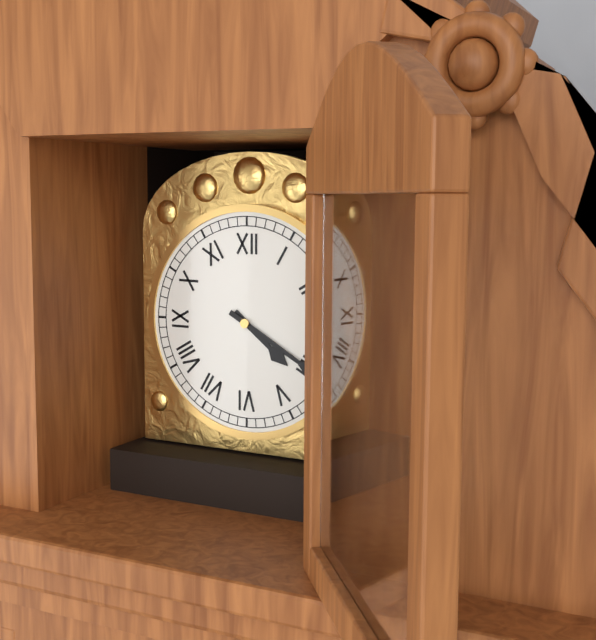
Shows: h=4 m=20
